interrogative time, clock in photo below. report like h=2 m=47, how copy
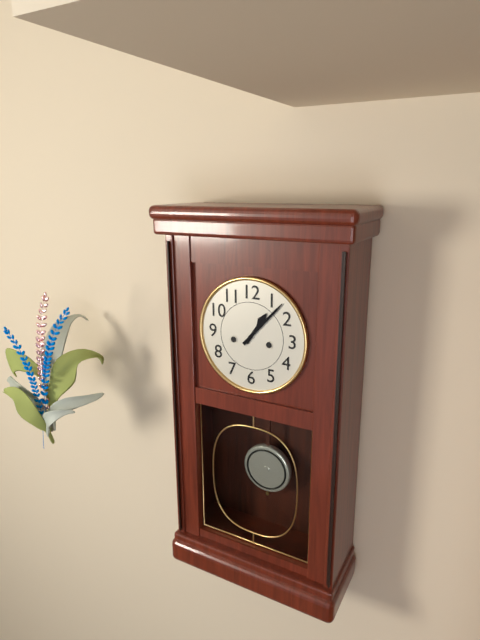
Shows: h=1 m=7
